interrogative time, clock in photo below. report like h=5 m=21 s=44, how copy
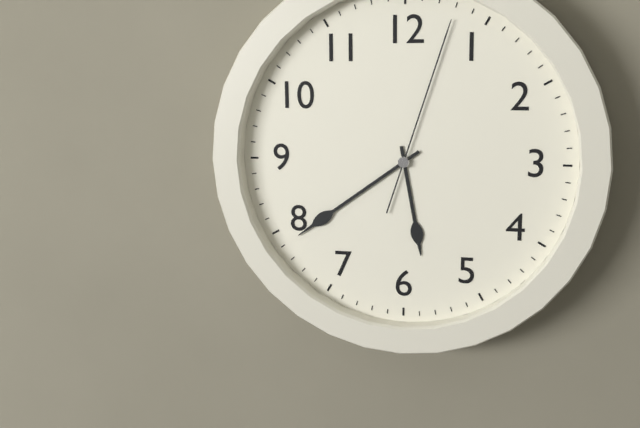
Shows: h=5 m=39 s=3
